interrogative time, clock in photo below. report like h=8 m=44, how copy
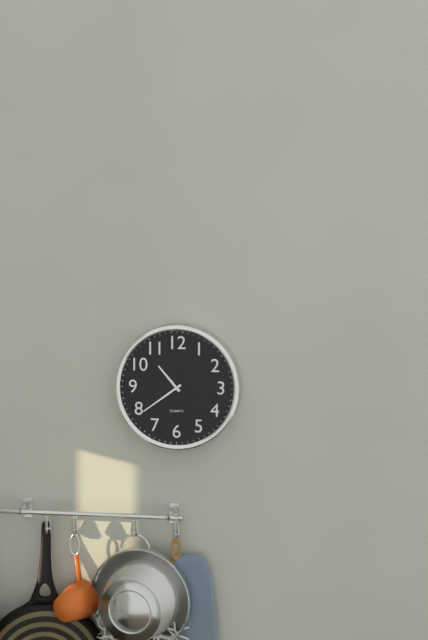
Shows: h=10 m=39
